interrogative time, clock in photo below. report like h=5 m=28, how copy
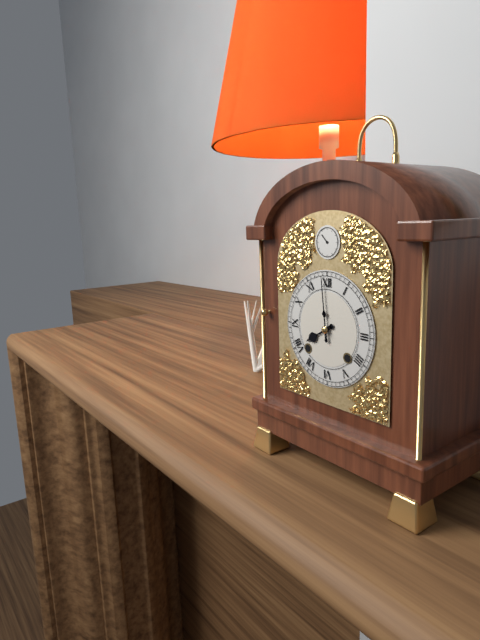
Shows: h=7 m=59
